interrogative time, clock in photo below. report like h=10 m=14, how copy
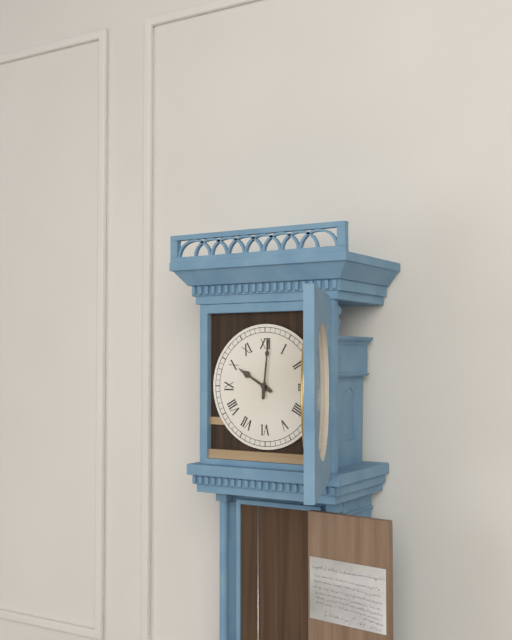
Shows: h=10 m=1
